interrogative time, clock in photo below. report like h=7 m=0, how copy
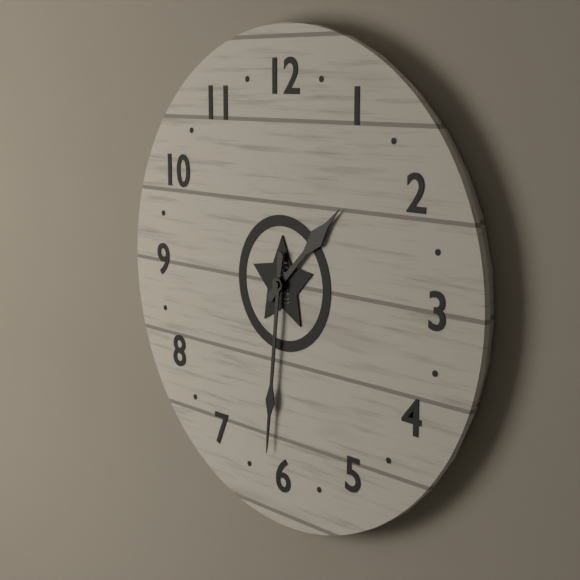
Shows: h=1 m=31
